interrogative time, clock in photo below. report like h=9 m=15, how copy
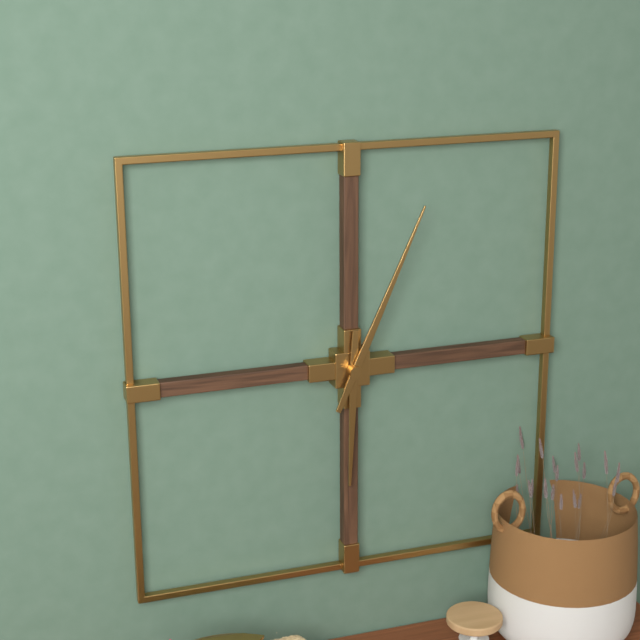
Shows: h=6 m=4
